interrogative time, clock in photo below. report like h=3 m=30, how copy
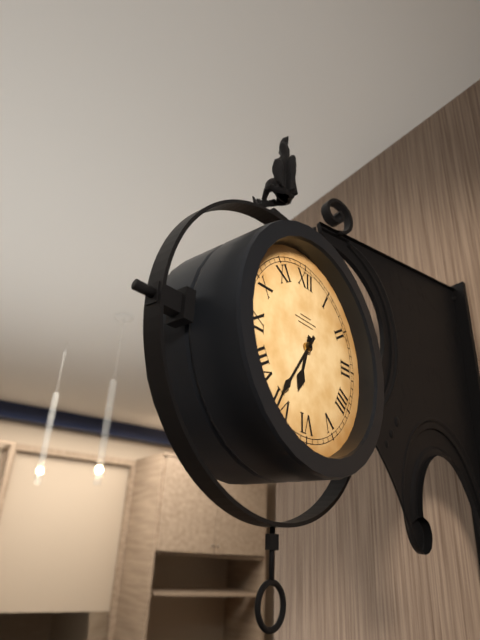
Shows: h=6 m=36
